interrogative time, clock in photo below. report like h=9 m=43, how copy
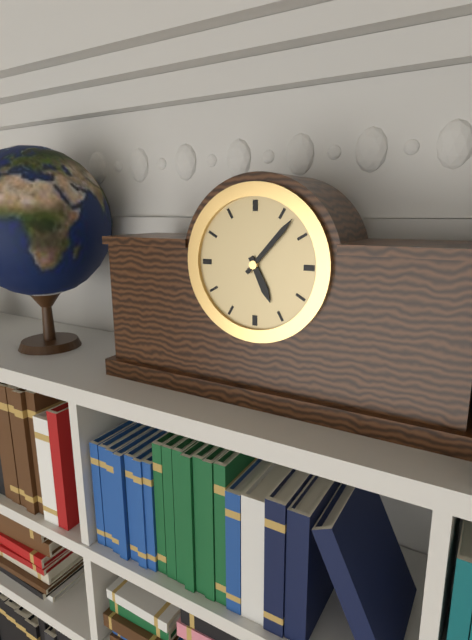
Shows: h=5 m=7
